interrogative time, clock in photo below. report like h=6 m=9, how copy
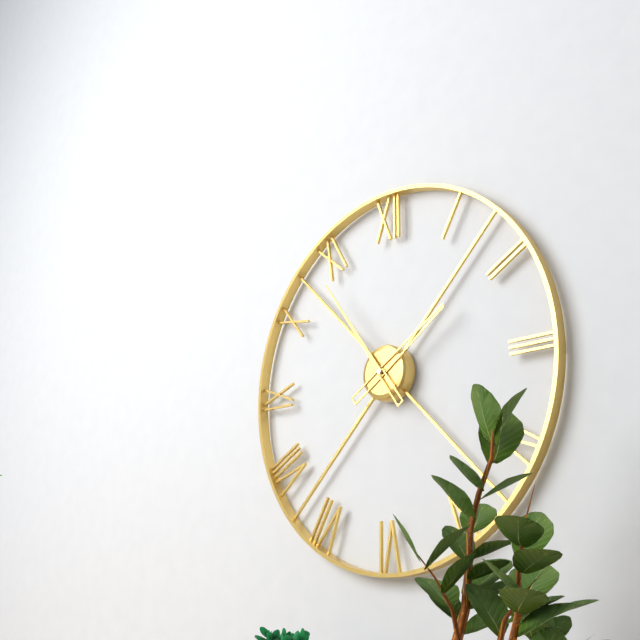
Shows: h=1 m=54
